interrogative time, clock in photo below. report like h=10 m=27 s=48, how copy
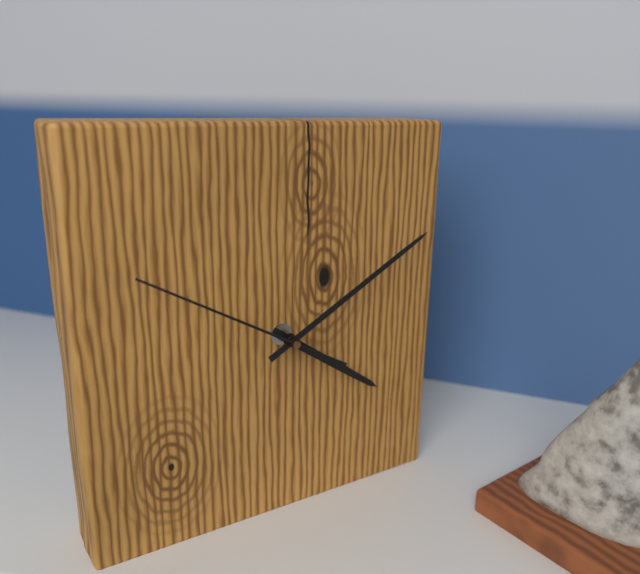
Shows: h=4 m=10 s=50
